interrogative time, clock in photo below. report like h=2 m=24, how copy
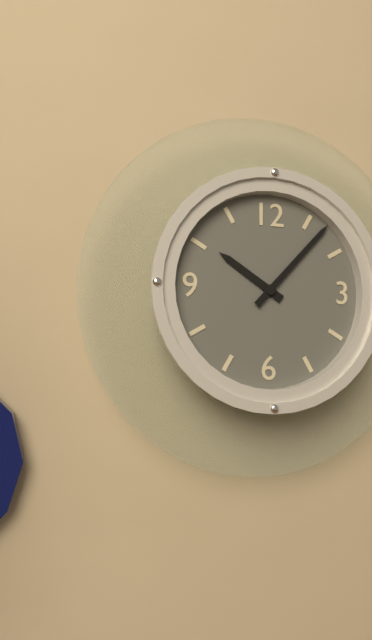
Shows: h=10 m=7
